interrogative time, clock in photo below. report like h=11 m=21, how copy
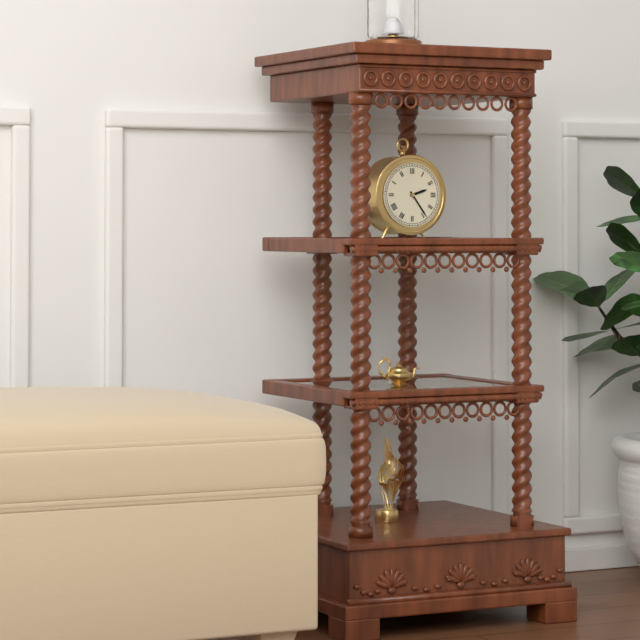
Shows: h=2 m=24
